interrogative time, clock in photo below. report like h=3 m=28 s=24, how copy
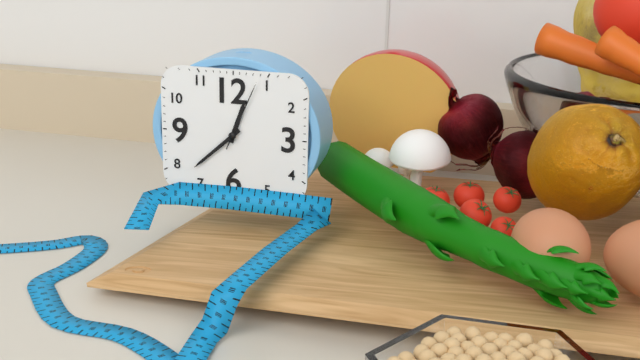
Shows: h=12 m=38 s=4
